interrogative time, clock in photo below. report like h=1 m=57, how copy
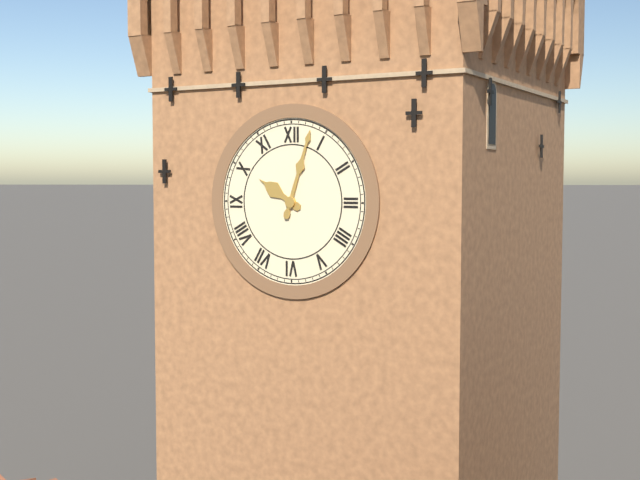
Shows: h=10 m=3
